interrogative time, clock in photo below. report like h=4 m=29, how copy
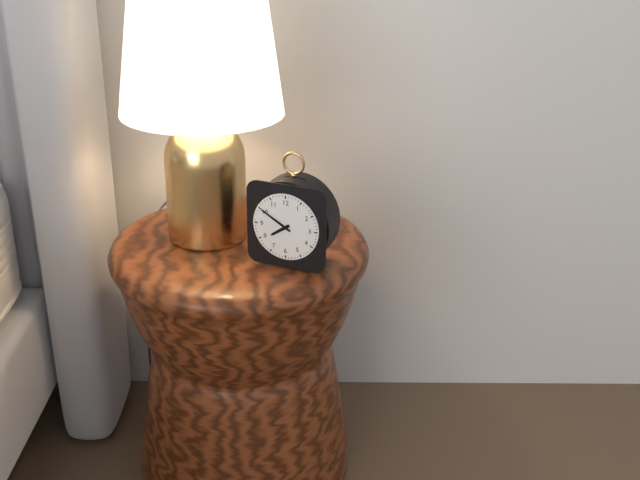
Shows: h=7 m=50
